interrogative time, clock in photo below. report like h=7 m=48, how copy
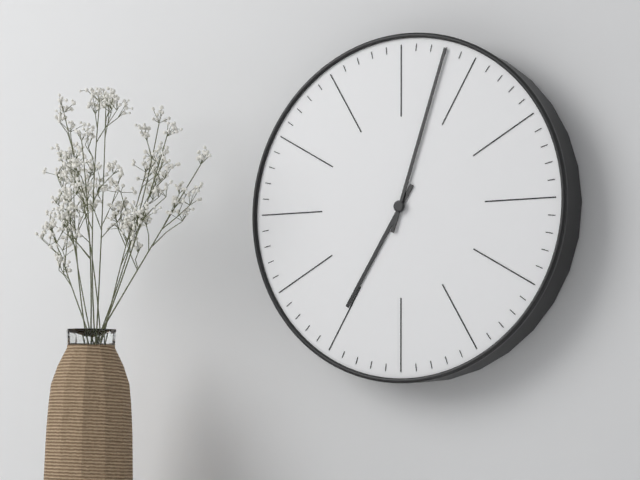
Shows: h=7 m=3
